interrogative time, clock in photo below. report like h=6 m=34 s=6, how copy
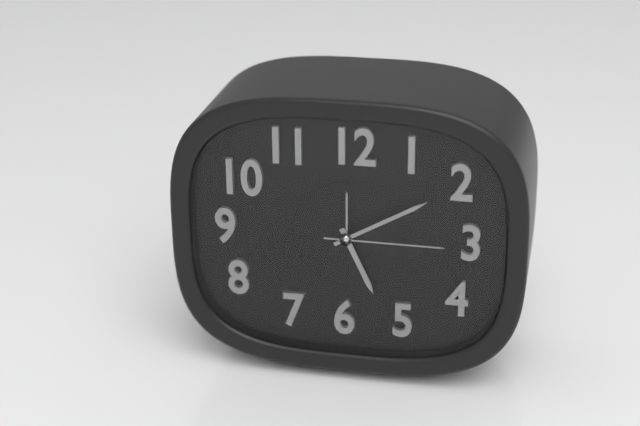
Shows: h=5 m=10 s=15
